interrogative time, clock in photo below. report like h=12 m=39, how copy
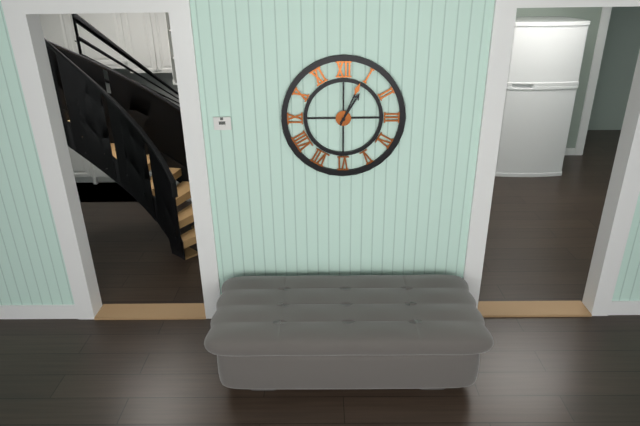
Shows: h=1 m=4
